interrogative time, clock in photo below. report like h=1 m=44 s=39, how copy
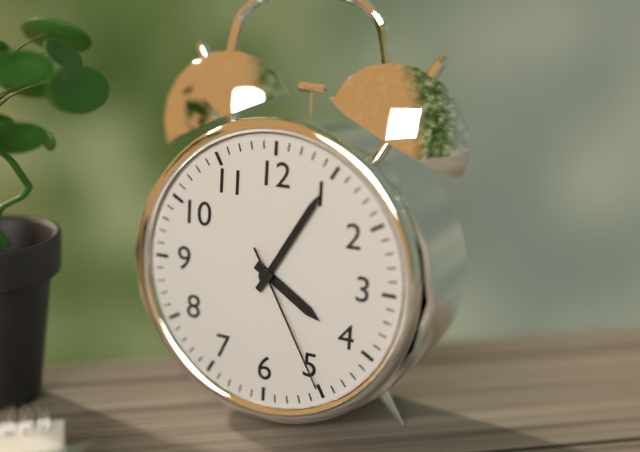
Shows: h=4 m=5 s=25
